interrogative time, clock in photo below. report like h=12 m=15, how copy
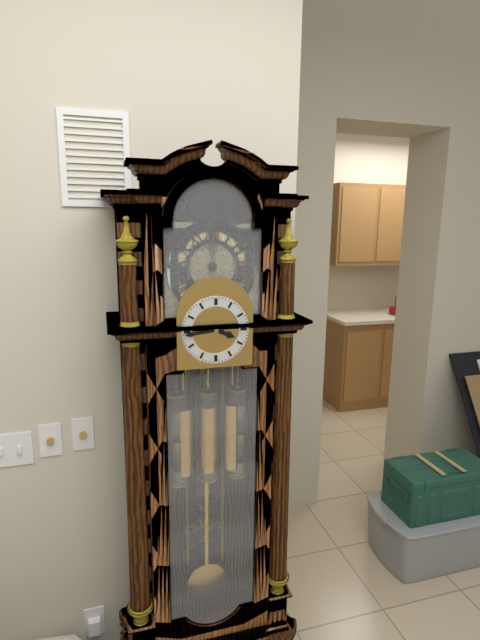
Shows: h=3 m=44
